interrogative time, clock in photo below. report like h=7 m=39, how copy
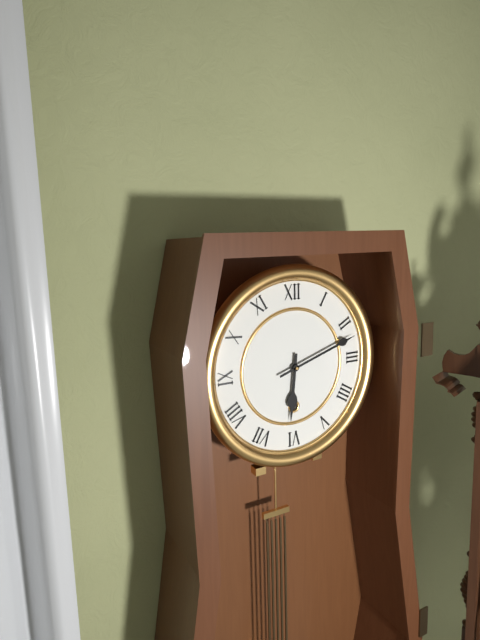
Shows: h=6 m=12
